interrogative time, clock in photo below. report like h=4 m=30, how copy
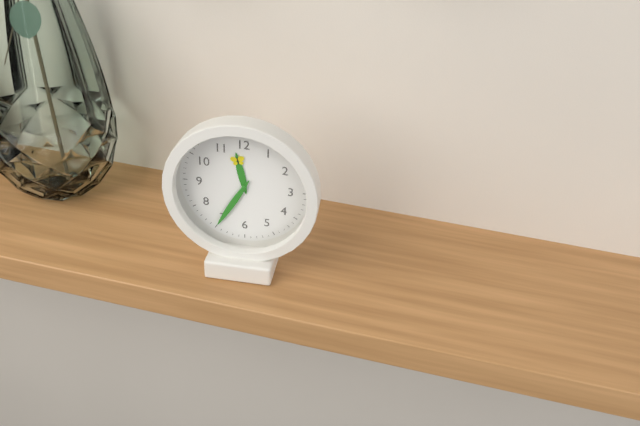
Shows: h=11 m=35
